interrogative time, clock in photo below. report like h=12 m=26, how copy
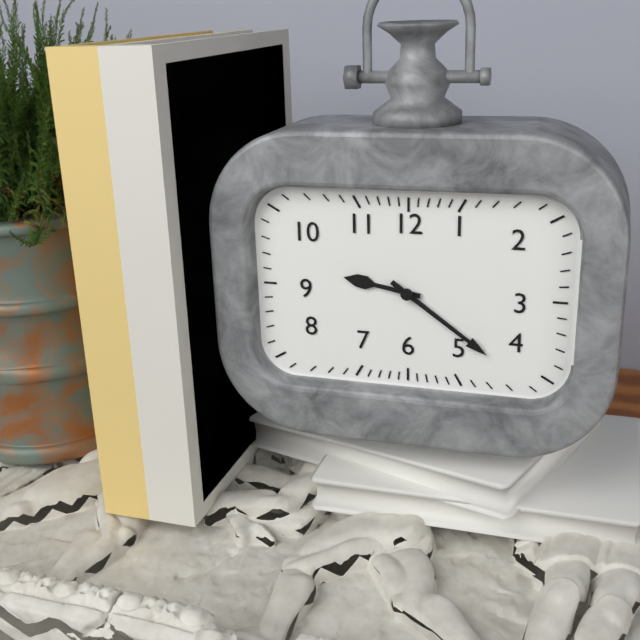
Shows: h=9 m=21
